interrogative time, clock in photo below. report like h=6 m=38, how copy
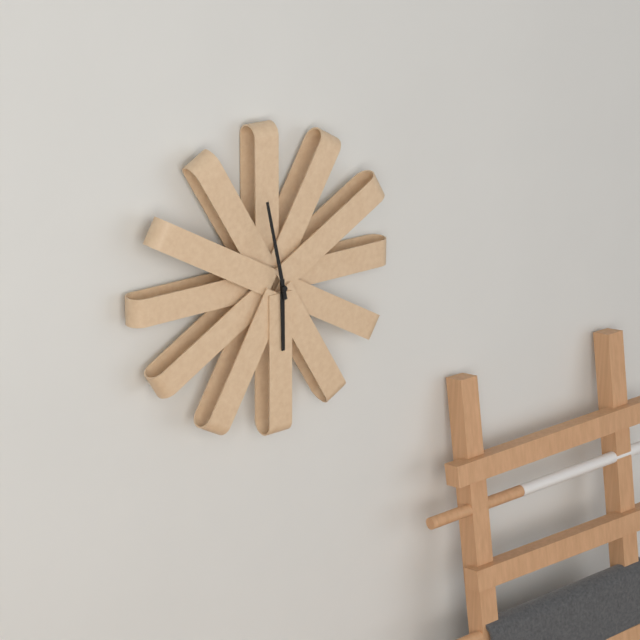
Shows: h=5 m=58
